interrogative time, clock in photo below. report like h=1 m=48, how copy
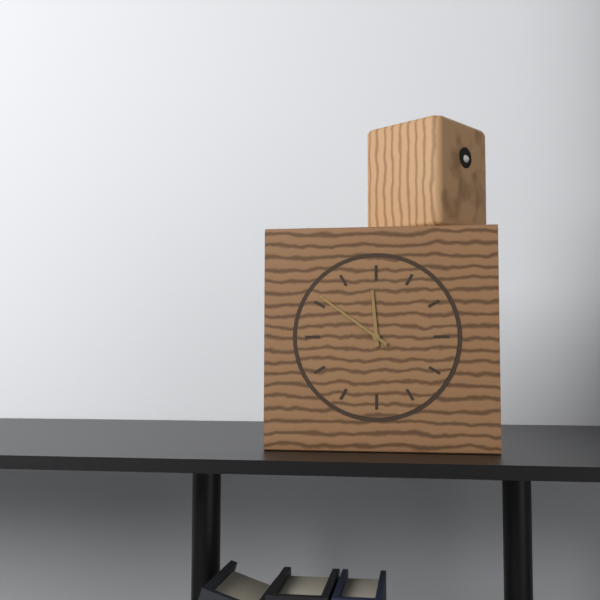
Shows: h=11 m=51
